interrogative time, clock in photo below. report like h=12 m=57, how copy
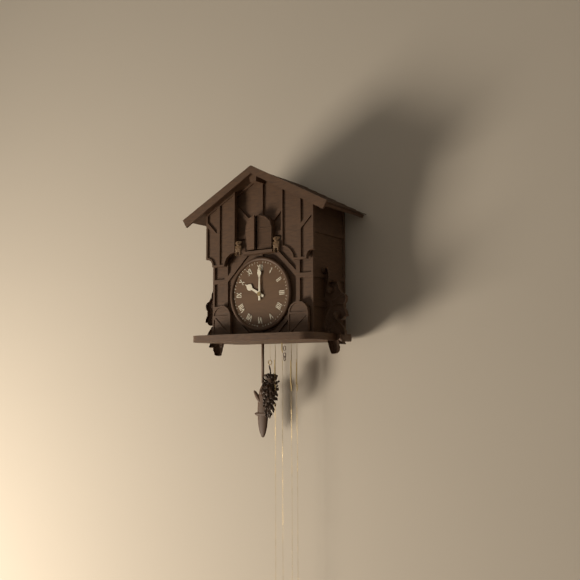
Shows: h=10 m=0
